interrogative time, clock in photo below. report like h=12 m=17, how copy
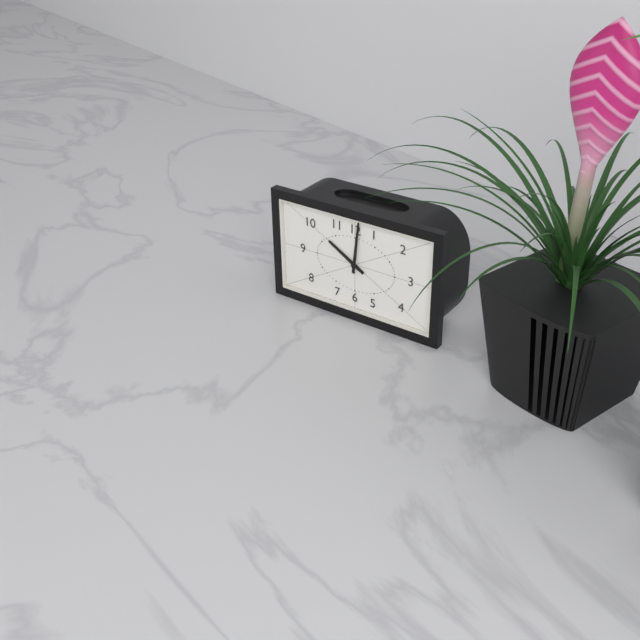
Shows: h=10 m=1
